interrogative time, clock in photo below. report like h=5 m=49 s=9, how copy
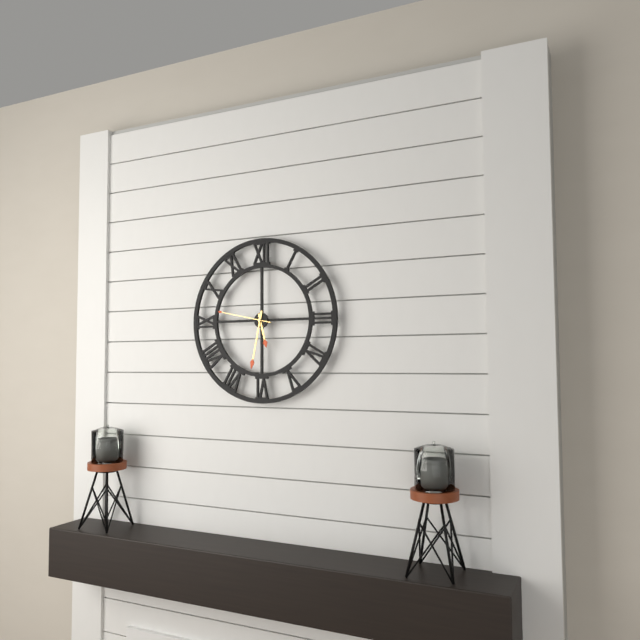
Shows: h=5 m=32 s=47
